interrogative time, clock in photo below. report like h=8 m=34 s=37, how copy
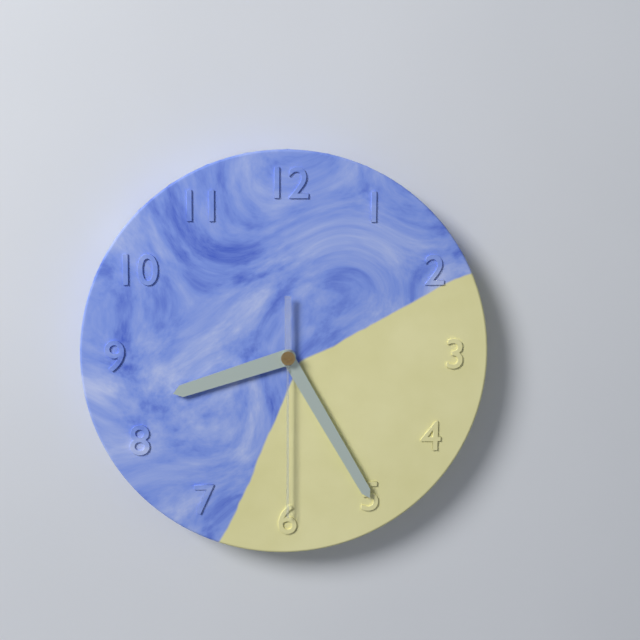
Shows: h=8 m=25 s=30
